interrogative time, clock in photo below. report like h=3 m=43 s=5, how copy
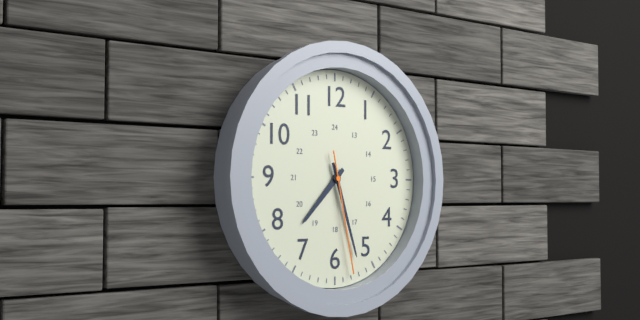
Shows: h=7 m=27 s=28
